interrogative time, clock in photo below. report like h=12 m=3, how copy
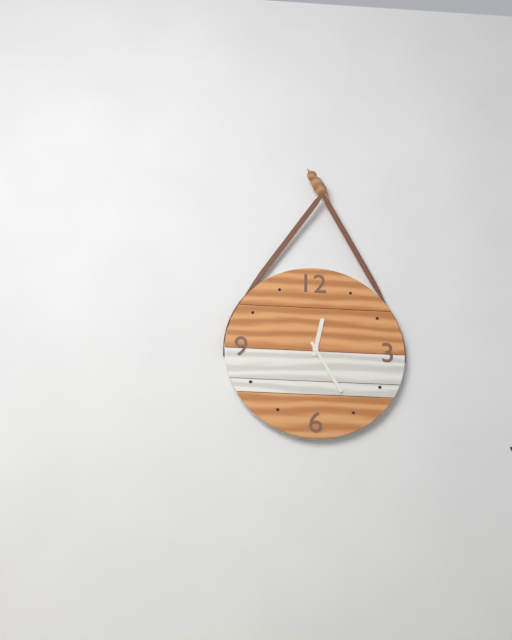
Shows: h=12 m=25
